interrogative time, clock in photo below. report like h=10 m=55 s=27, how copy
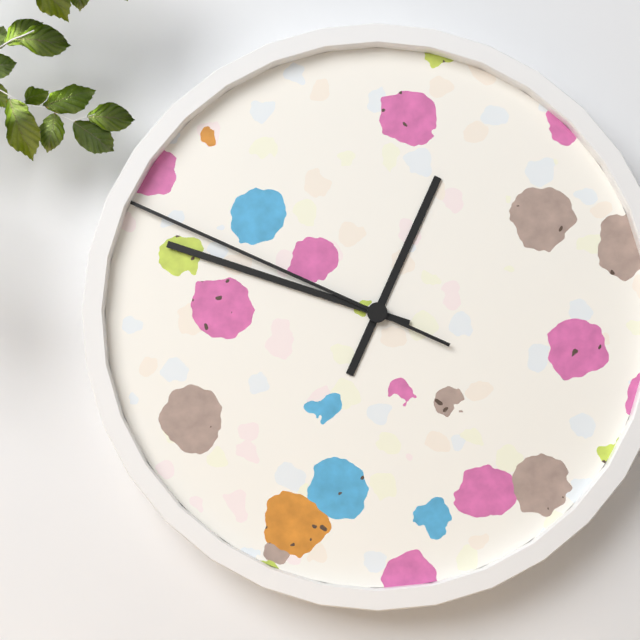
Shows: h=12 m=48 s=49
